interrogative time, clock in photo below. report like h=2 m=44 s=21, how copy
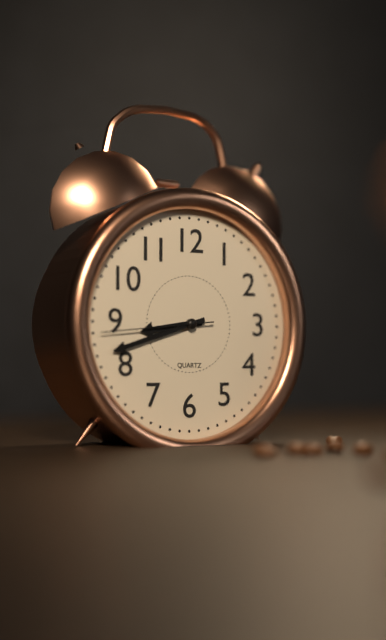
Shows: h=8 m=42 s=44
